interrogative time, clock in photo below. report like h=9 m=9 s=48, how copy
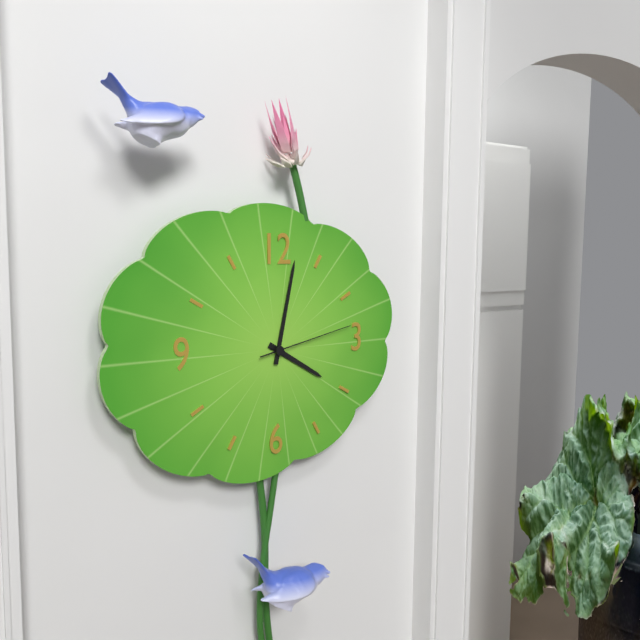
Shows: h=4 m=2 s=13
